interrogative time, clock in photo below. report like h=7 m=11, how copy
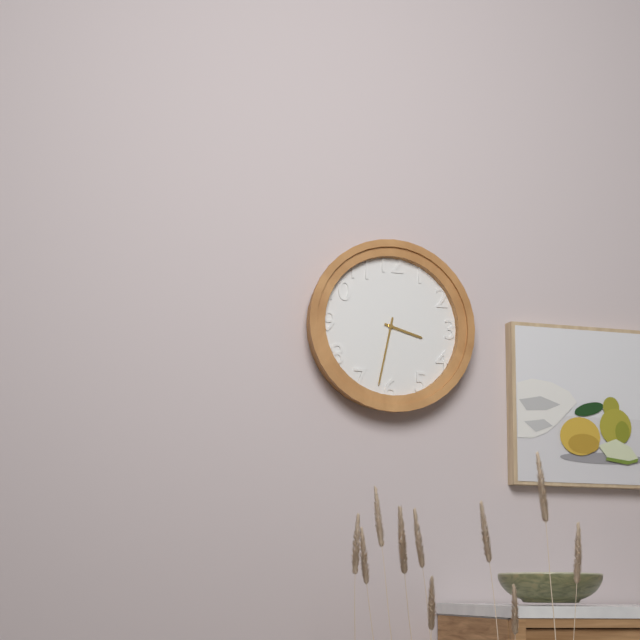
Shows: h=3 m=32
